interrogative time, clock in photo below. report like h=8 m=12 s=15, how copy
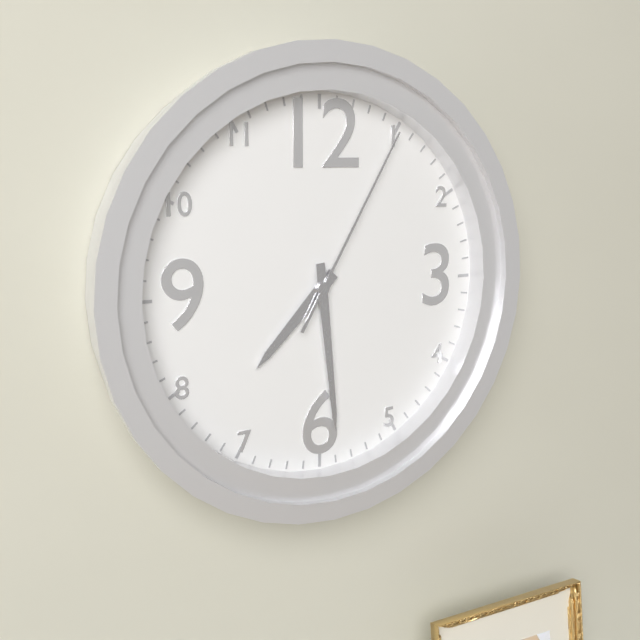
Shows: h=7 m=29 s=5
